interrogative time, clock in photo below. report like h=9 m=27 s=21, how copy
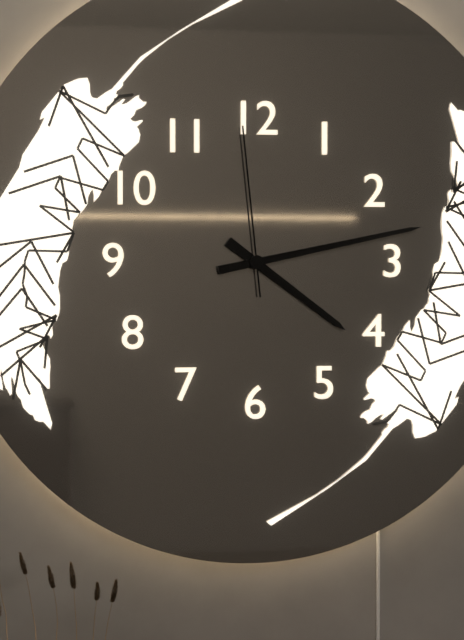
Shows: h=4 m=13 s=59
